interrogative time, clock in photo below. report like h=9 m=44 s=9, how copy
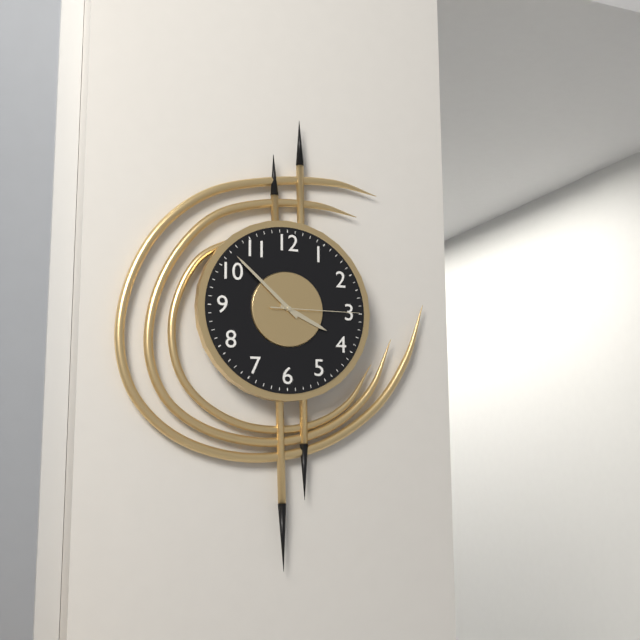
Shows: h=3 m=52 s=15
